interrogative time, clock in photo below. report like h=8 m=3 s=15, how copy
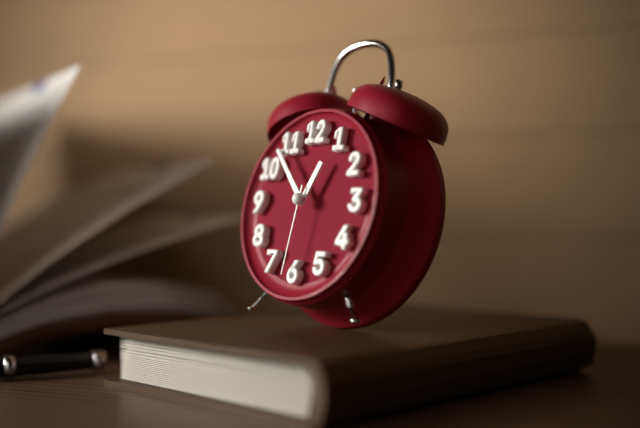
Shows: h=12 m=53 s=31
